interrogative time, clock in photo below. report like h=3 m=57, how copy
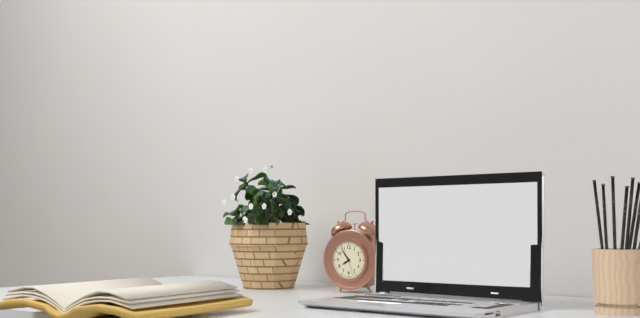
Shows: h=7 m=54
